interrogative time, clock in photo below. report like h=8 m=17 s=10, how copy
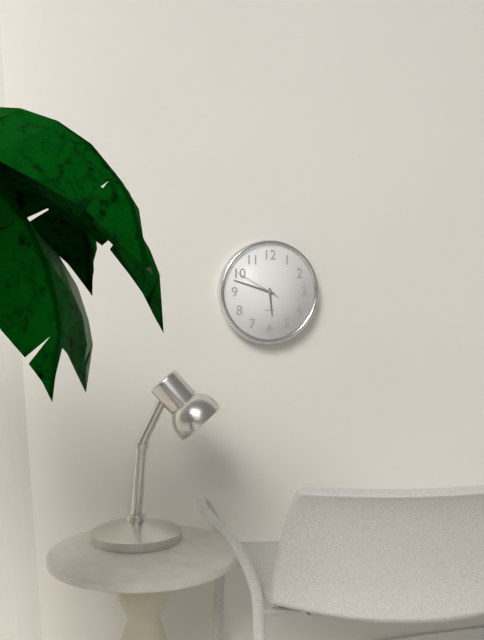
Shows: h=5 m=48 s=50
